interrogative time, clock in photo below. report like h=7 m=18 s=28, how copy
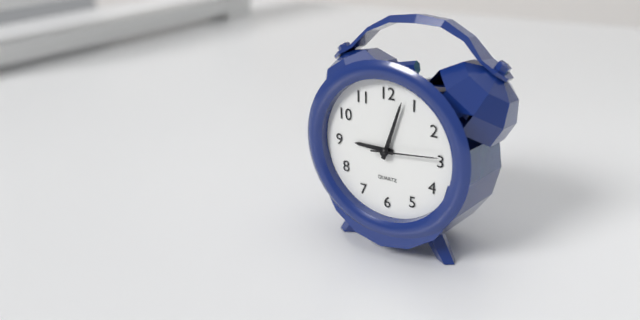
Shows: h=9 m=3 s=14
